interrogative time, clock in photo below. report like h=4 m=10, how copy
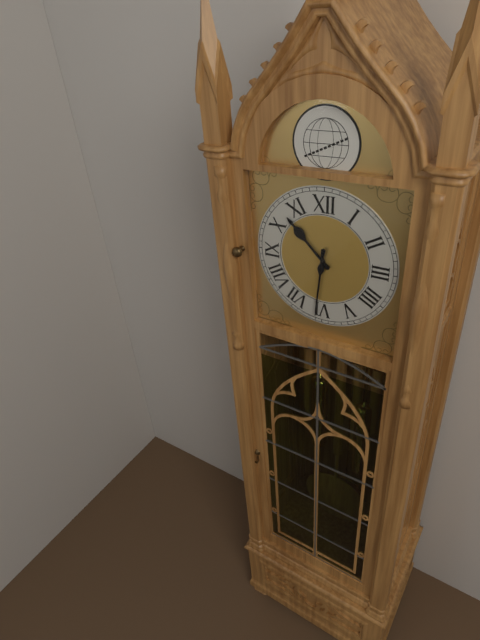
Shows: h=10 m=31
